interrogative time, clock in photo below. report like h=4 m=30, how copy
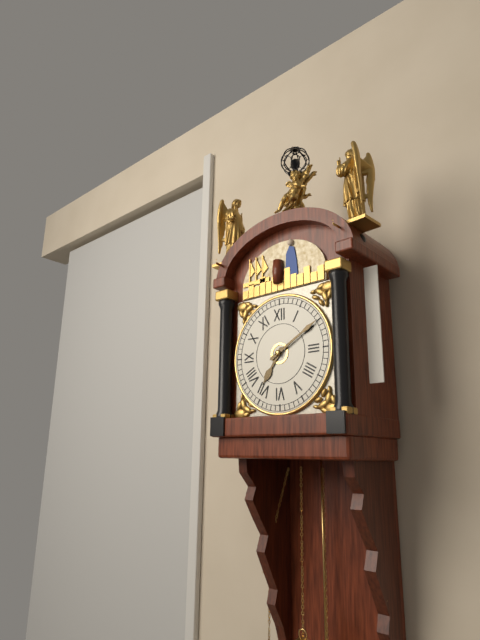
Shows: h=7 m=10
